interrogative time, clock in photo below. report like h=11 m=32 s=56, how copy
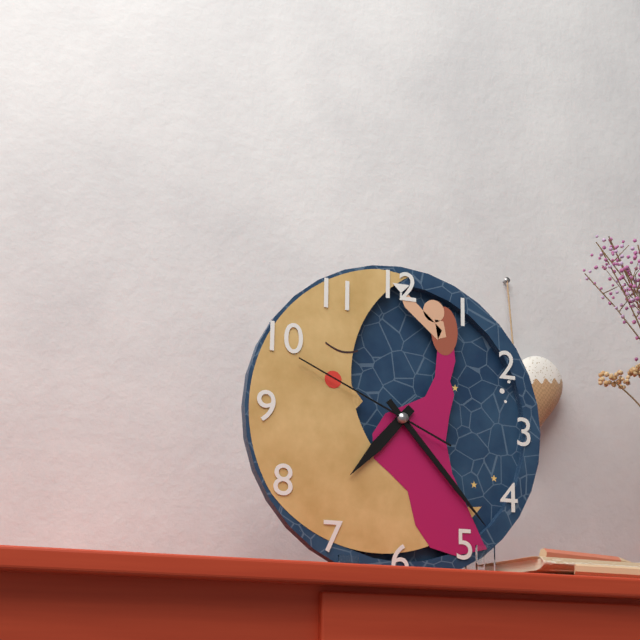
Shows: h=7 m=23 s=49
